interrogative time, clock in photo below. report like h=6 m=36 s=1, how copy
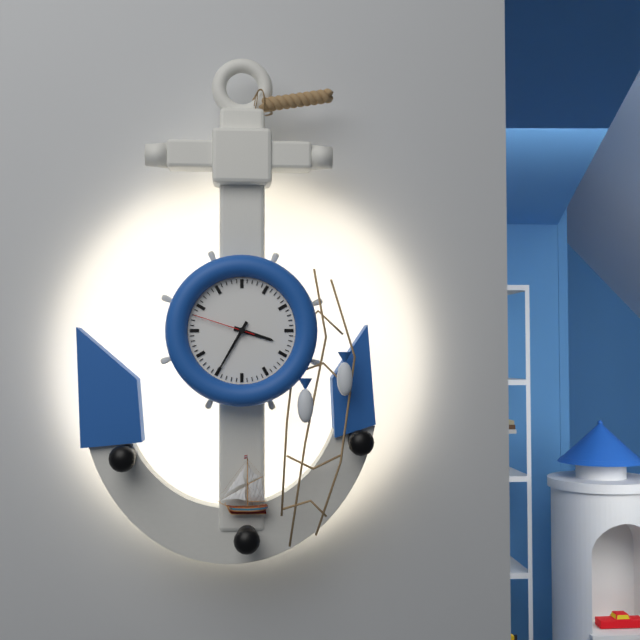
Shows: h=3 m=35 s=48
